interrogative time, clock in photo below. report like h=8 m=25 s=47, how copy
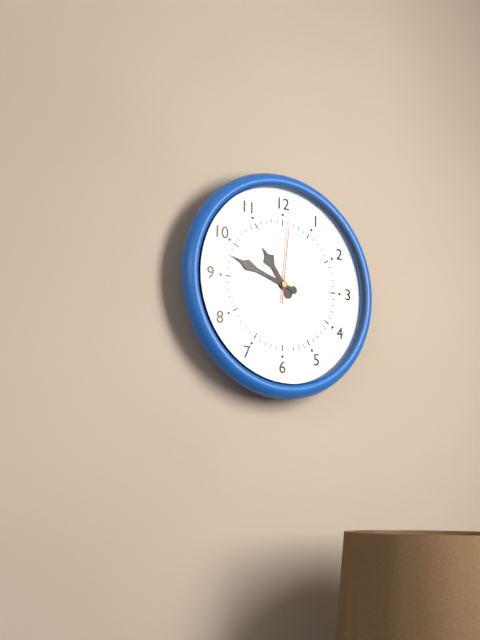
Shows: h=10 m=48 s=1
